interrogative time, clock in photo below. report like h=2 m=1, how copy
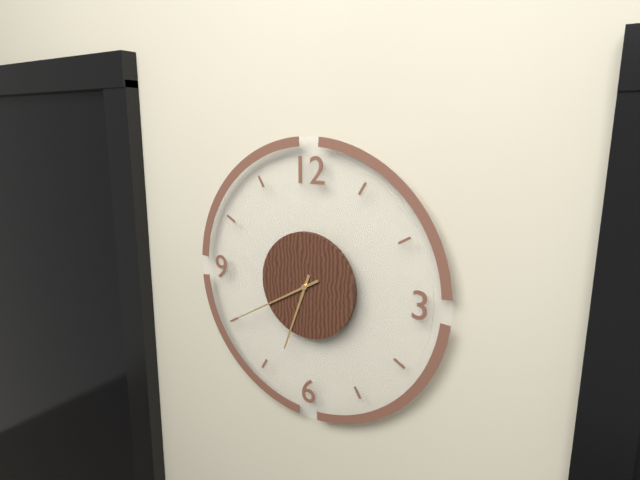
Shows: h=6 m=40
